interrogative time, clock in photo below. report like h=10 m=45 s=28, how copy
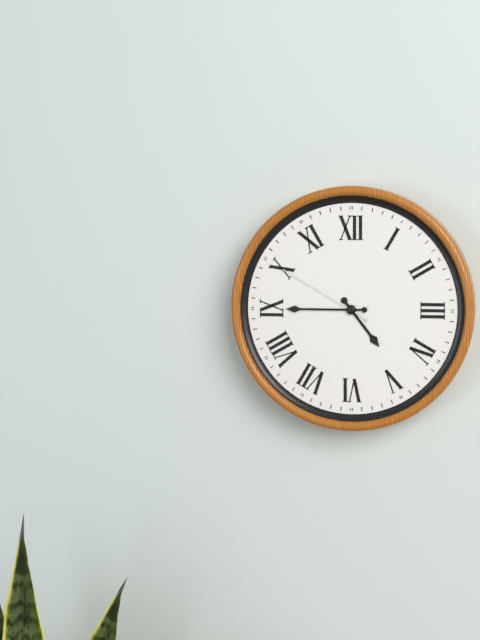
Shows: h=4 m=45 s=50
